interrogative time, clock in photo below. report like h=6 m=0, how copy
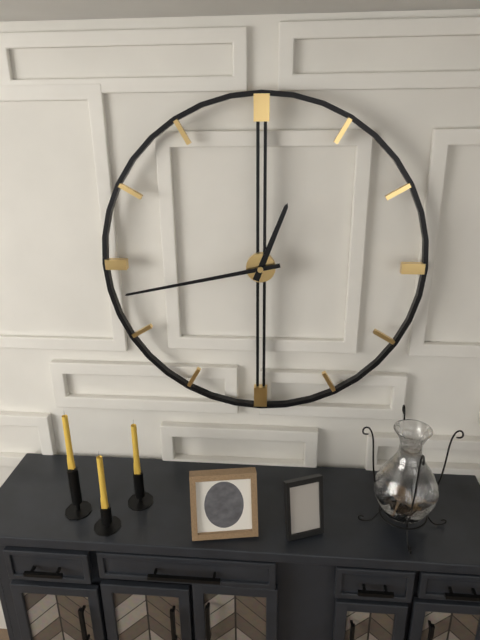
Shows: h=12 m=43
